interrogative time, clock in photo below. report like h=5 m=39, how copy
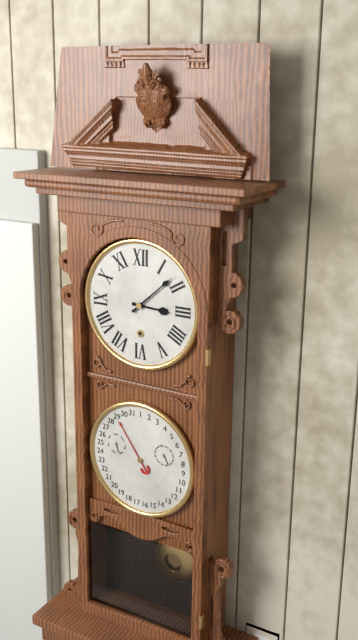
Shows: h=3 m=8
